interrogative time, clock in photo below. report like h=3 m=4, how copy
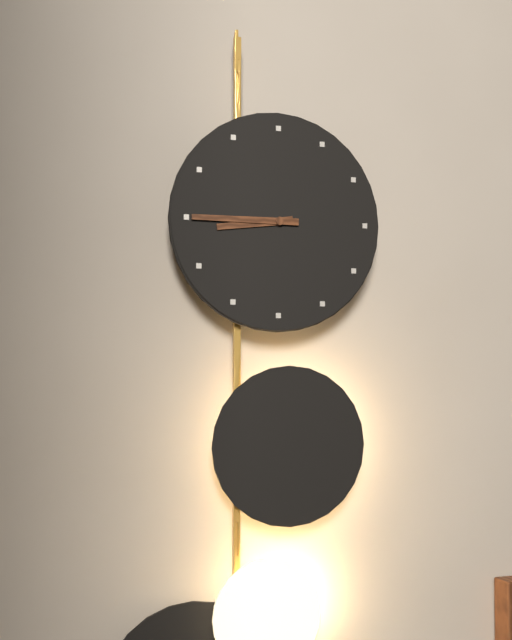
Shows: h=8 m=45
